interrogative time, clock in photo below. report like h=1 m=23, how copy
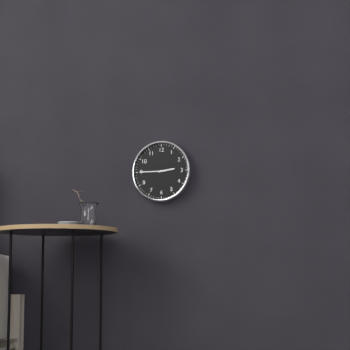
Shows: h=2 m=45
